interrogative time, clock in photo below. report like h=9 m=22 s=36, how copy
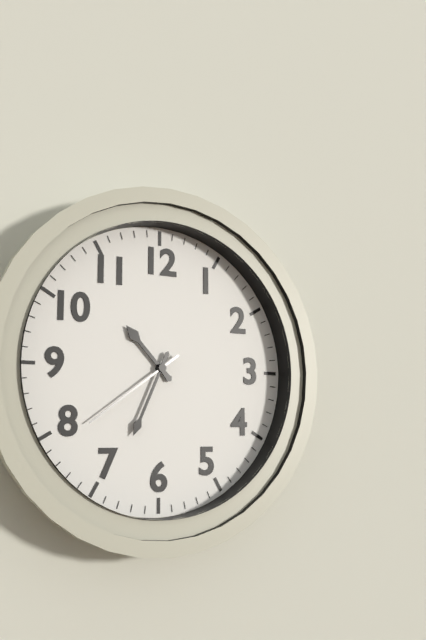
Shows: h=10 m=34 s=39
